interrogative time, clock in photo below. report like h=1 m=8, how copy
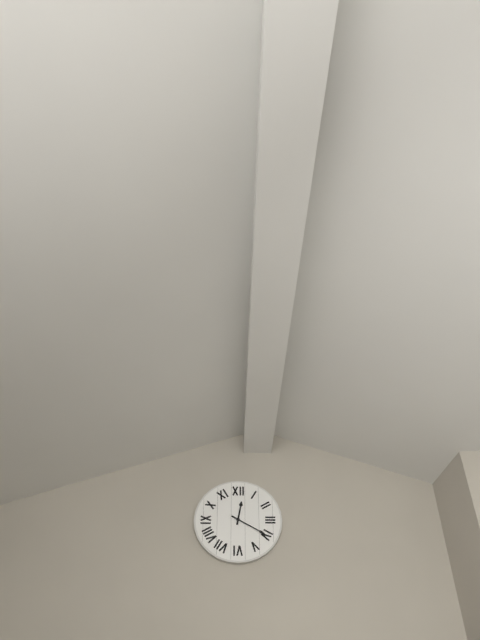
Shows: h=12 m=20
